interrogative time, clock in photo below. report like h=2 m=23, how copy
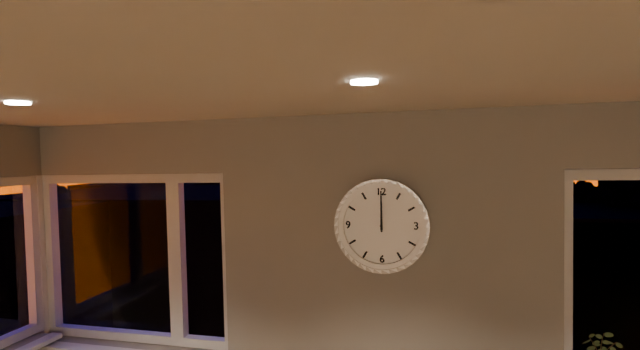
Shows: h=12 m=0
